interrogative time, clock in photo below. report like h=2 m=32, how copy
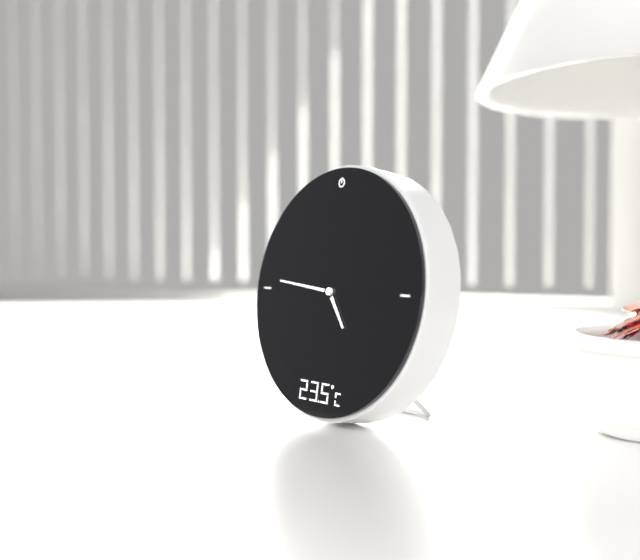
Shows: h=4 m=46
